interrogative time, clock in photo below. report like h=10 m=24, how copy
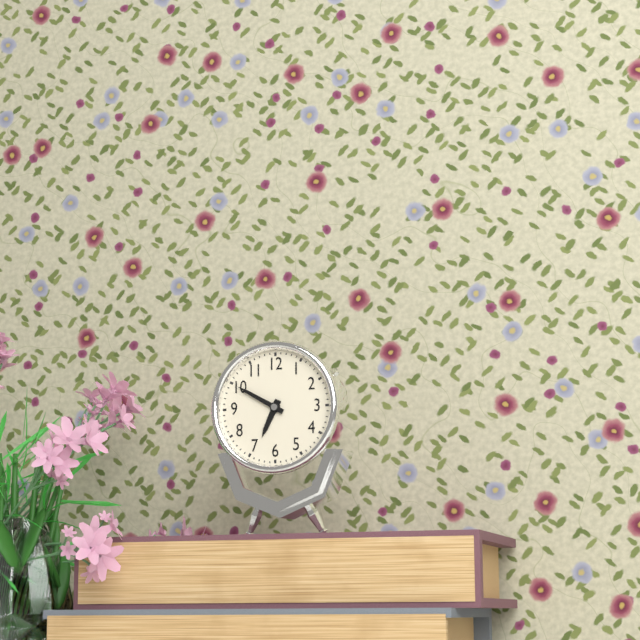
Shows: h=6 m=50
